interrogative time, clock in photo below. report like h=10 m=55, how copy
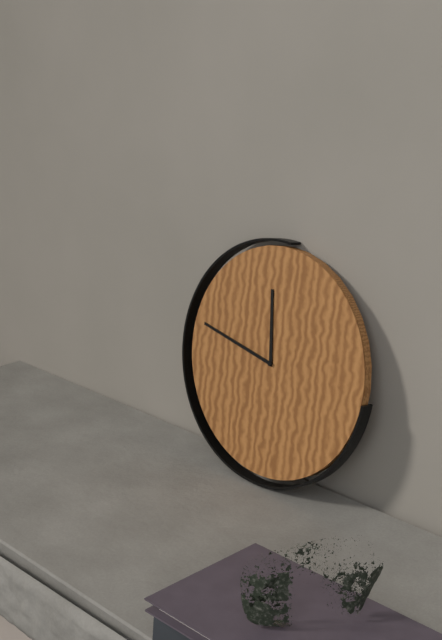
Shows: h=11 m=47
